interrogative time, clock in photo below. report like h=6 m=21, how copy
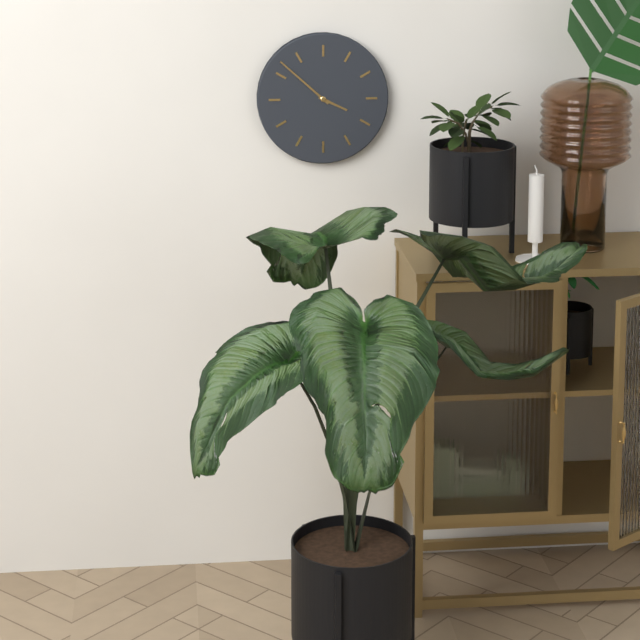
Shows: h=3 m=52
